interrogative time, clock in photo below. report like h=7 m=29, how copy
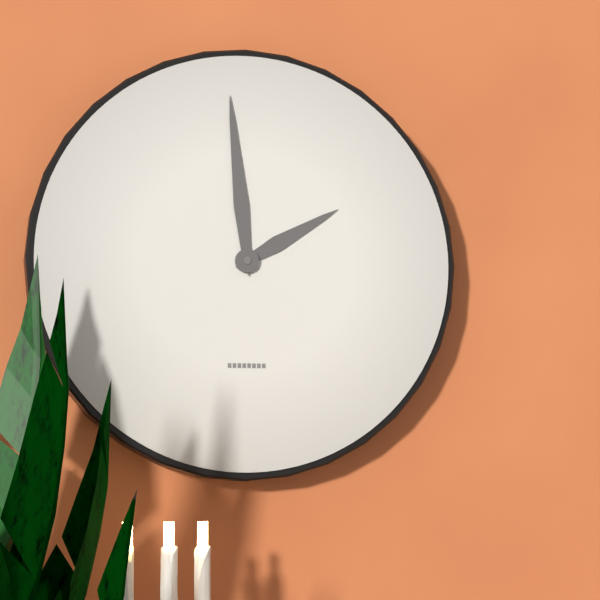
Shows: h=1 m=59
